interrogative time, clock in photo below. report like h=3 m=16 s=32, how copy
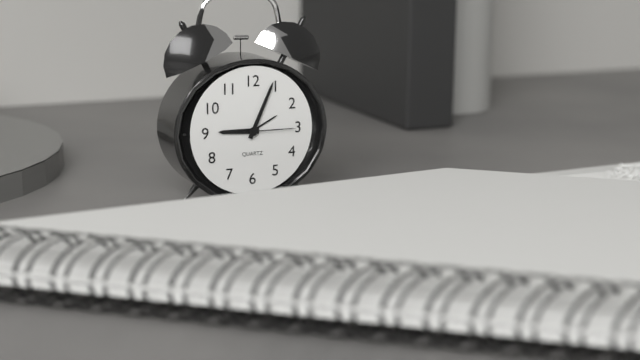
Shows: h=9 m=4 s=15
